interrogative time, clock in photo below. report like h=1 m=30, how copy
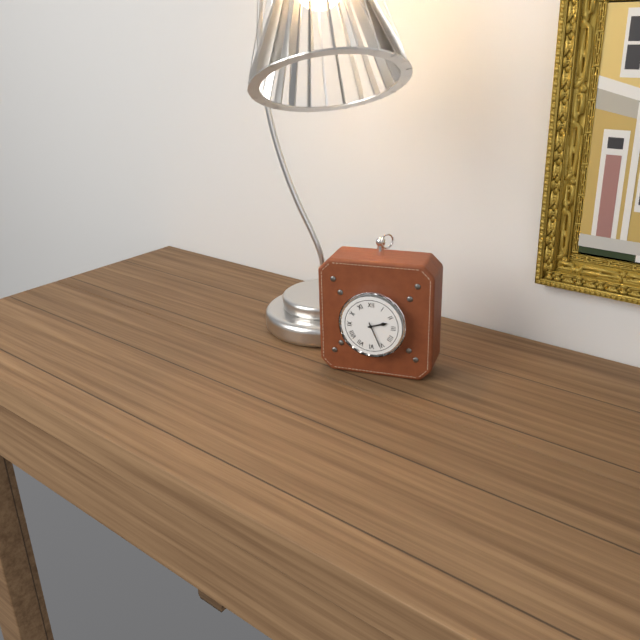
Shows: h=2 m=26
